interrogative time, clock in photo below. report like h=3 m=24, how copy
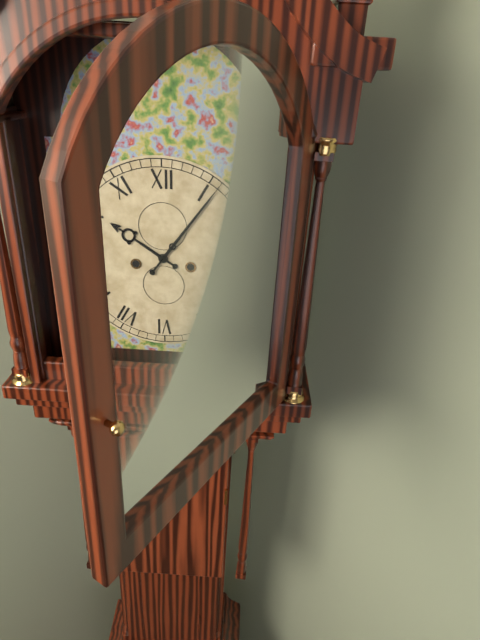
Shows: h=10 m=6
